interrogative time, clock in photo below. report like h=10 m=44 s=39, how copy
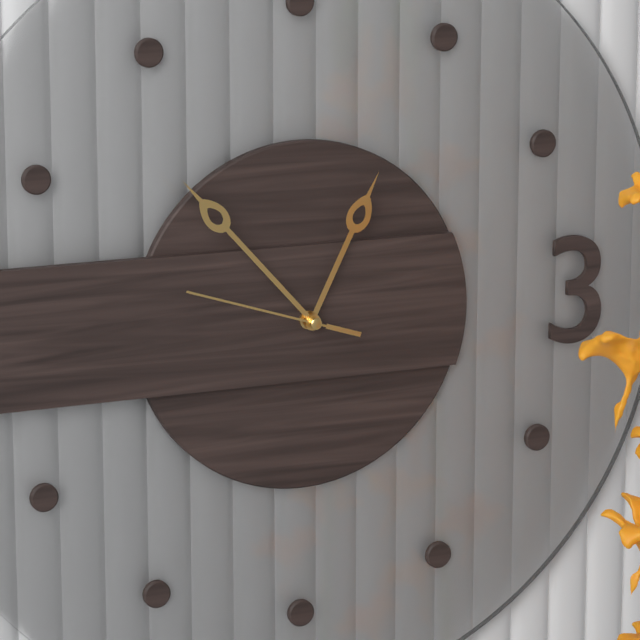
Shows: h=12 m=53 s=48
